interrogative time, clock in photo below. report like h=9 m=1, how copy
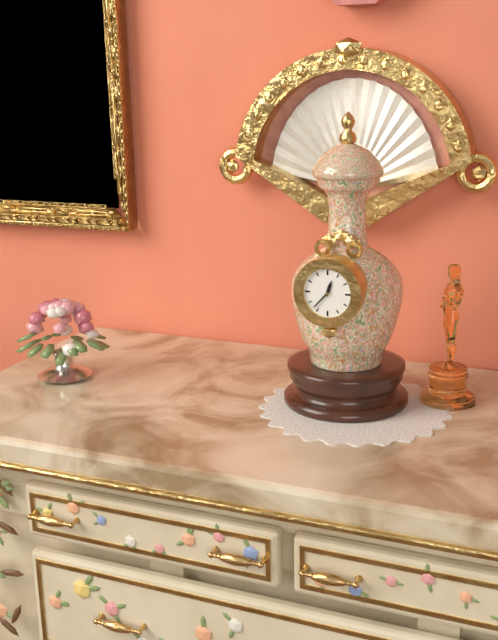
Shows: h=12 m=37
